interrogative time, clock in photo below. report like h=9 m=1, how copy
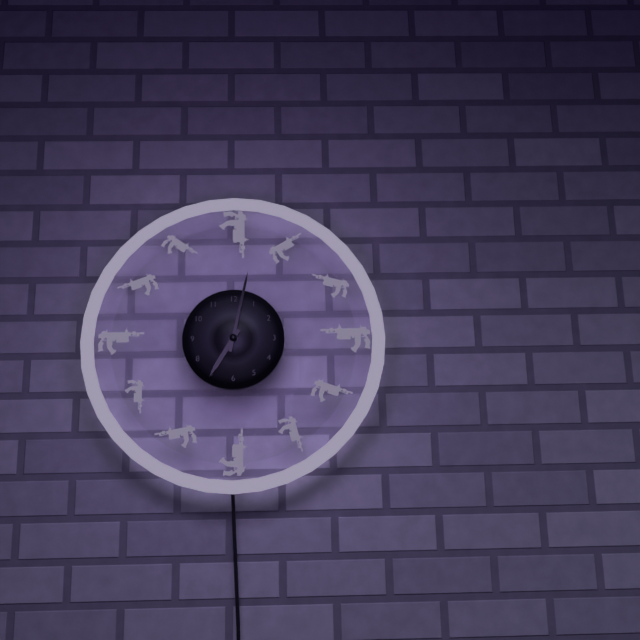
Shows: h=7 m=2
